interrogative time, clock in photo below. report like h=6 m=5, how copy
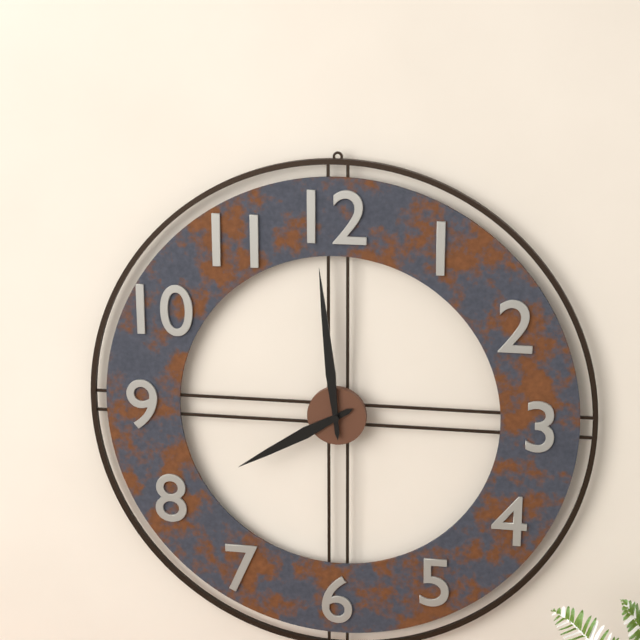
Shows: h=7 m=59
